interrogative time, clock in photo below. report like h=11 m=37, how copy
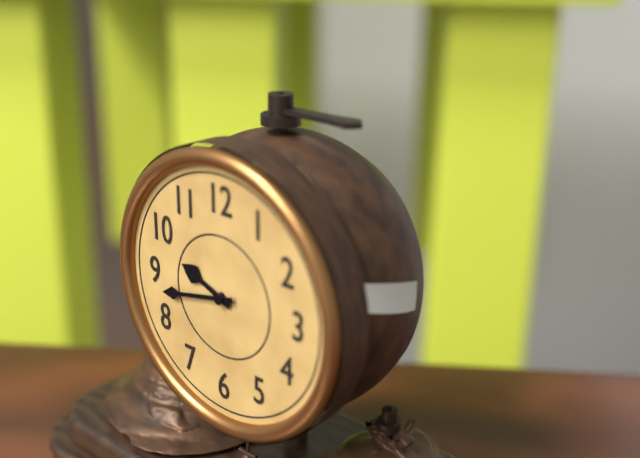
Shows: h=9 m=43
